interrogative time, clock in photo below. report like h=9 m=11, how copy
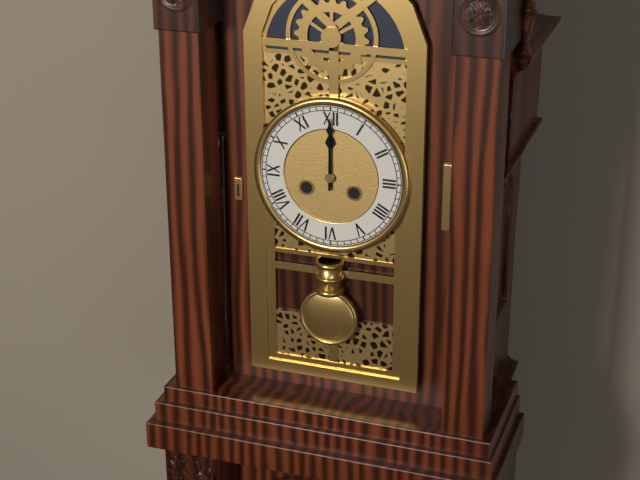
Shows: h=12 m=0
